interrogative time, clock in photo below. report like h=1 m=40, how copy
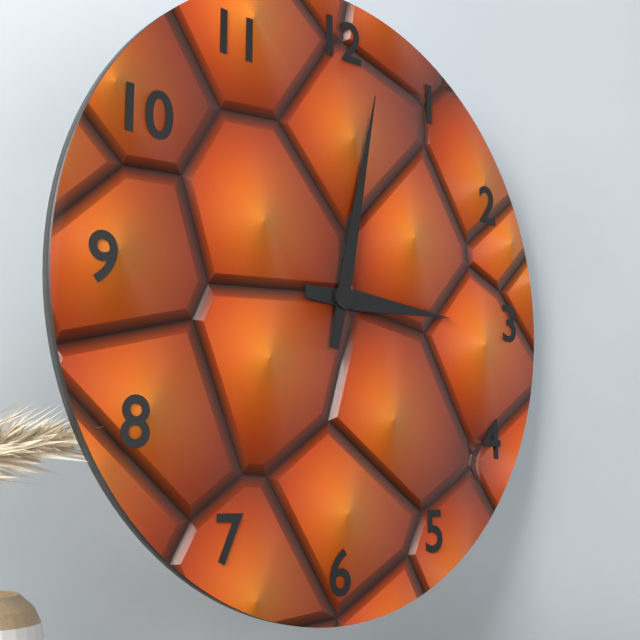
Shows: h=3 m=2
